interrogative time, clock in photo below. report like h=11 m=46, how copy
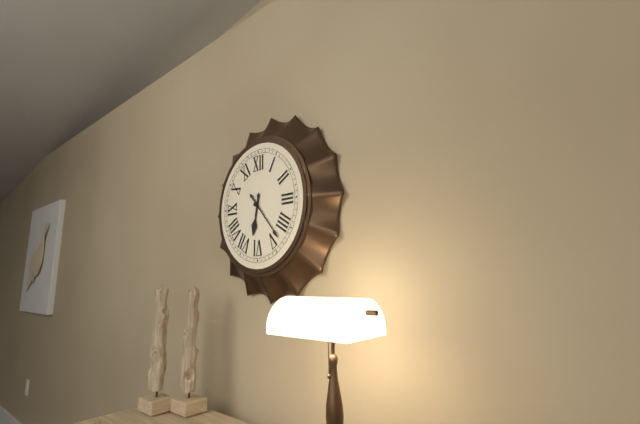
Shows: h=6 m=23
